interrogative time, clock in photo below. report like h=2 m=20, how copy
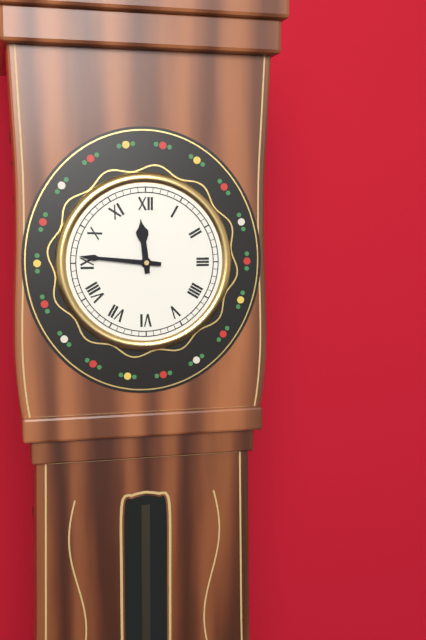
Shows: h=11 m=46
